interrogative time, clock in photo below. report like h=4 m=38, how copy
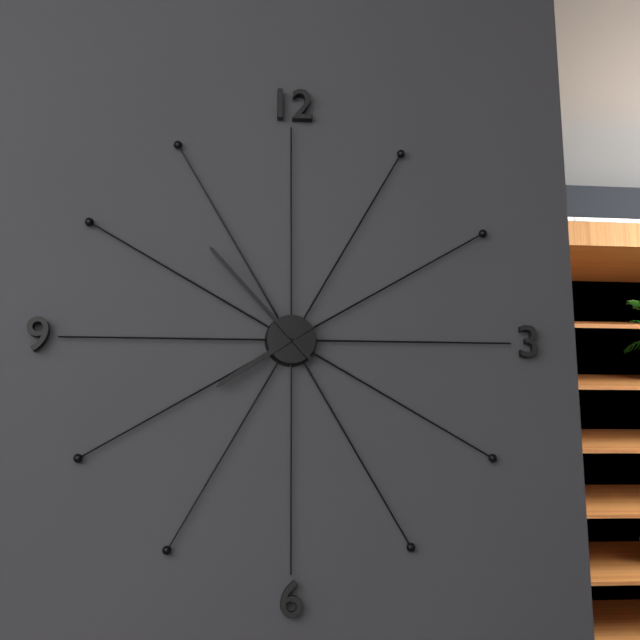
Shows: h=7 m=53
